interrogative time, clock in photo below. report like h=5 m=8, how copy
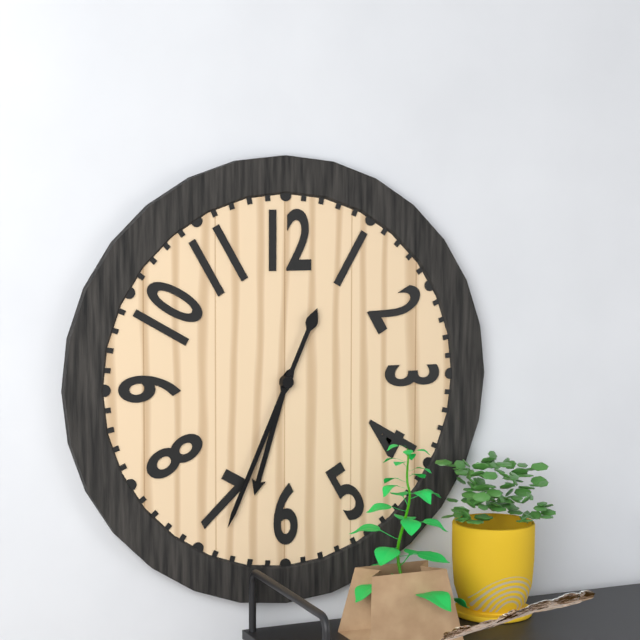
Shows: h=6 m=34
